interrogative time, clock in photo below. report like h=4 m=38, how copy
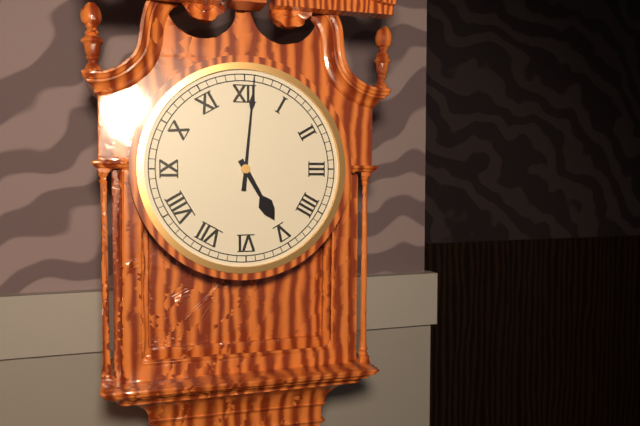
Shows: h=5 m=1
